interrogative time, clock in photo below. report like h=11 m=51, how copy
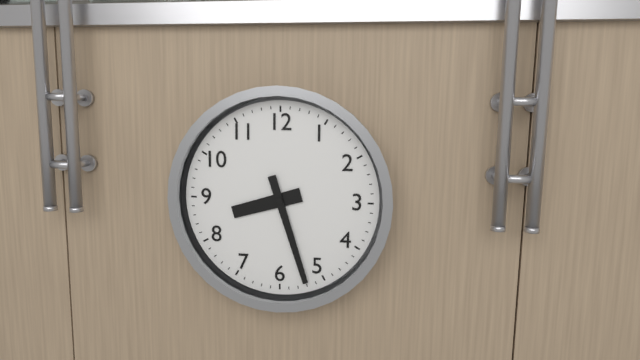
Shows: h=8 m=27
